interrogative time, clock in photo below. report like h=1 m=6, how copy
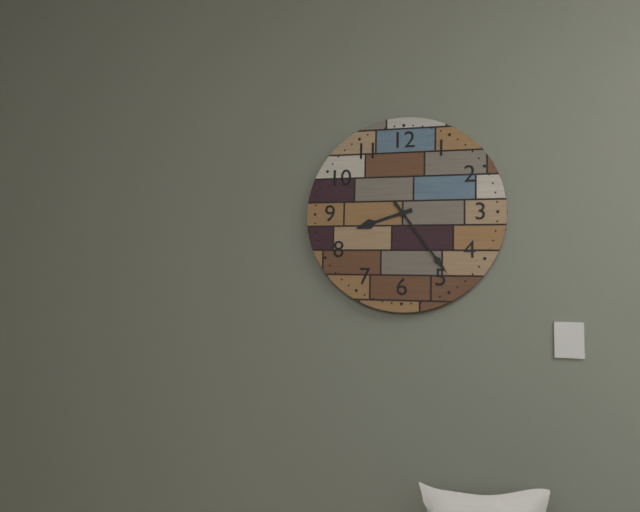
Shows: h=8 m=24
